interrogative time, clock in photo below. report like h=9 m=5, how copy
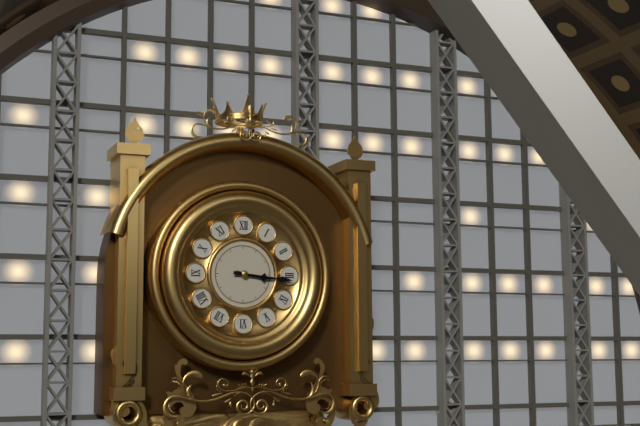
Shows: h=3 m=16
